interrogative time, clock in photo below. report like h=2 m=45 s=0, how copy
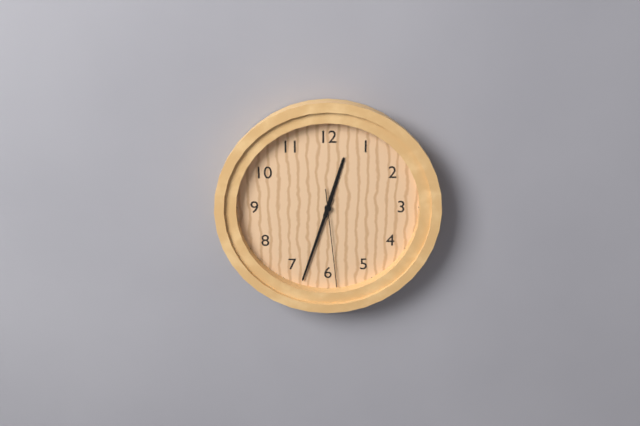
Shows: h=12 m=33 s=29
